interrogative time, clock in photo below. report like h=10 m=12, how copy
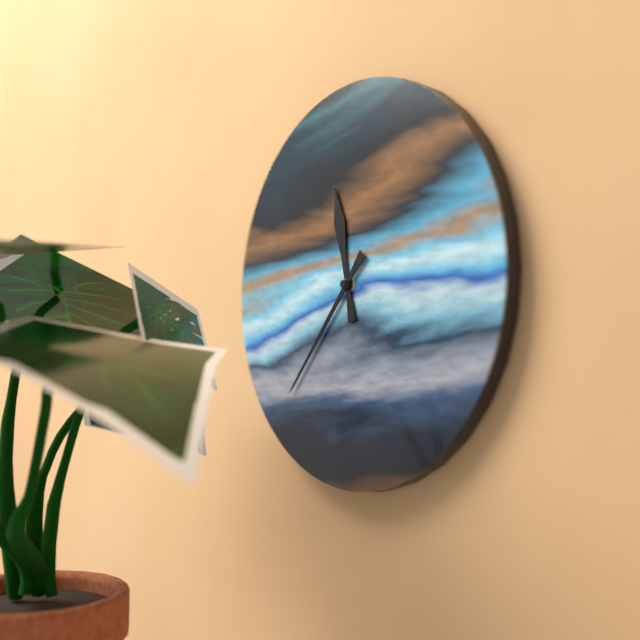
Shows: h=11 m=37
